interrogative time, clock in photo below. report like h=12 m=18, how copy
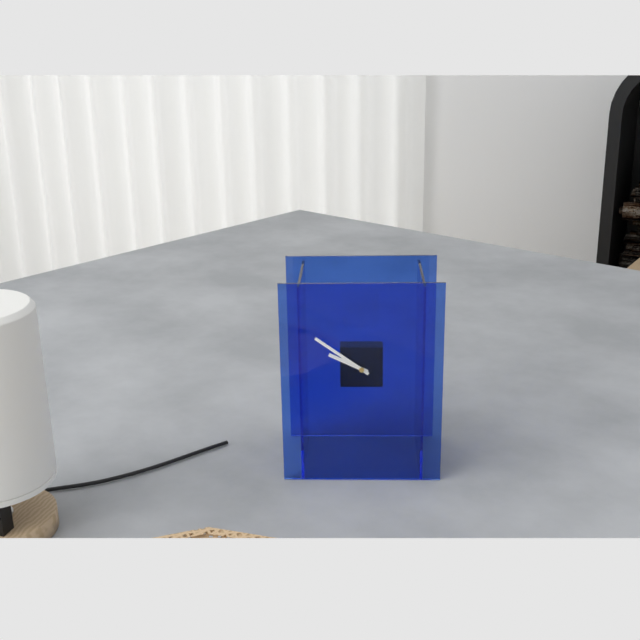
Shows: h=9 m=51
